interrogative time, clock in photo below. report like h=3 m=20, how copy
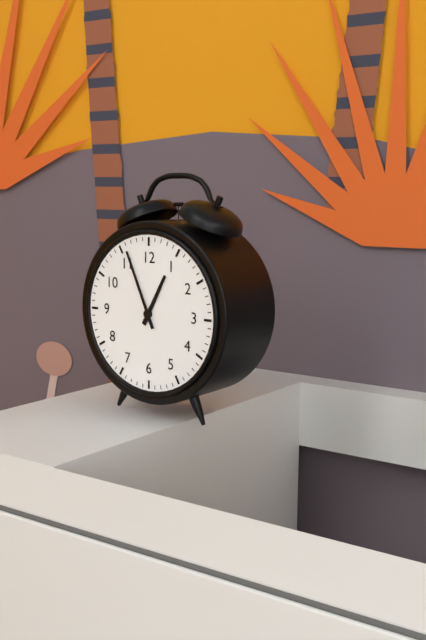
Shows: h=12 m=56
